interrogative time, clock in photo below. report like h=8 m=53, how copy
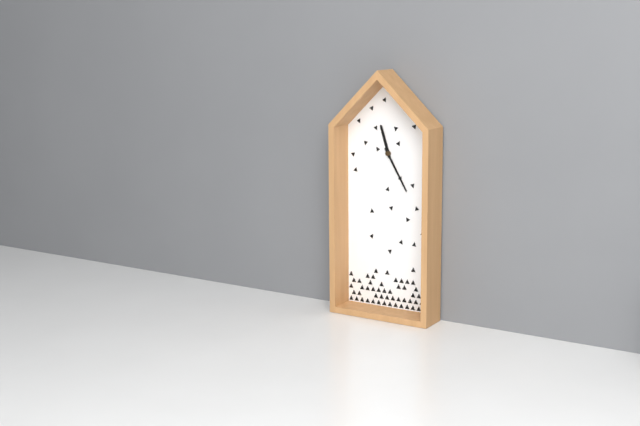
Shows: h=11 m=25
